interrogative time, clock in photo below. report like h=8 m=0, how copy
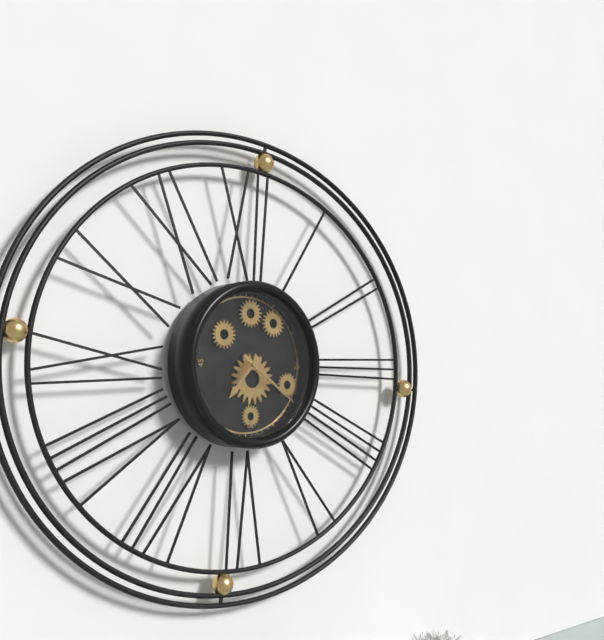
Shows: h=7 m=21
